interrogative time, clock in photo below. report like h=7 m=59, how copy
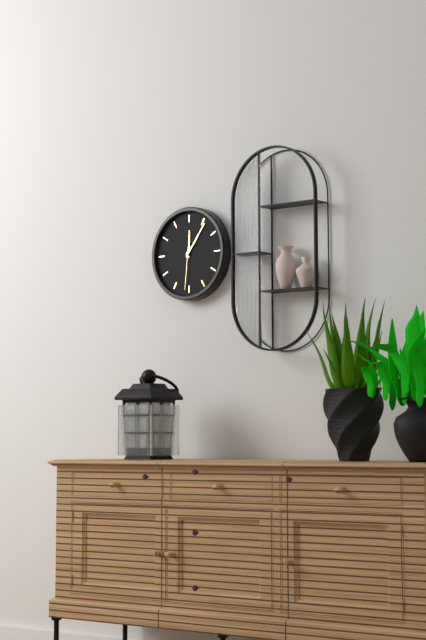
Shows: h=12 m=6
